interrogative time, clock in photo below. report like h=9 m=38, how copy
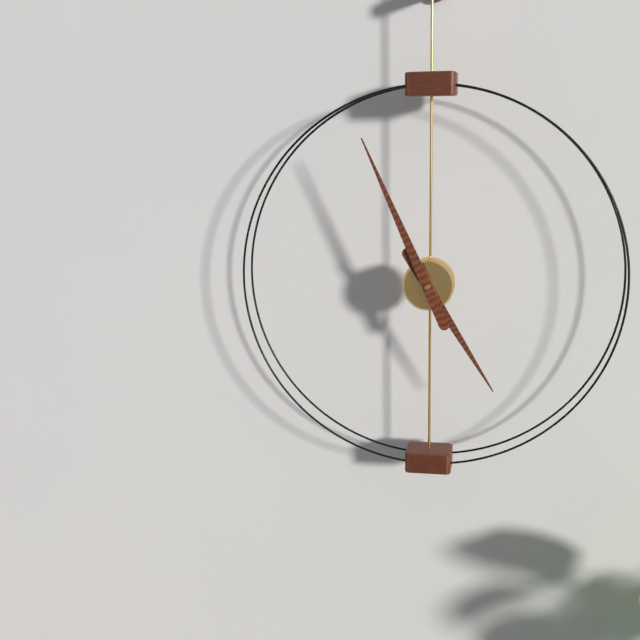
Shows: h=4 m=56
